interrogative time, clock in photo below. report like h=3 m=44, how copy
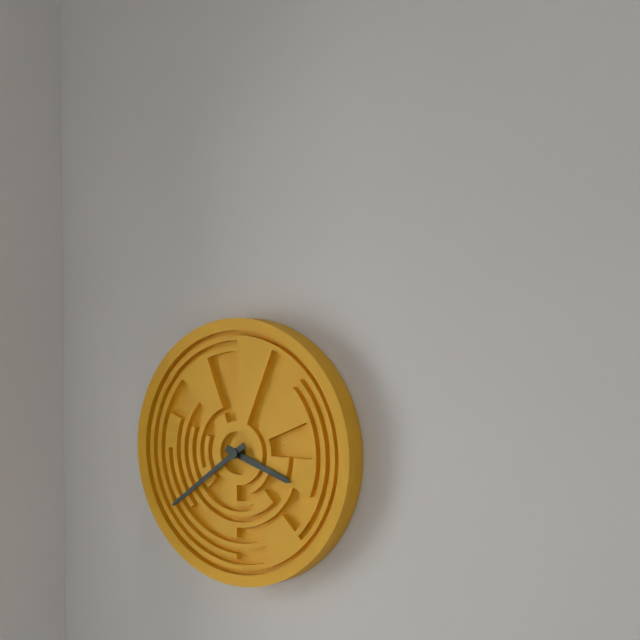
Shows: h=3 m=39
